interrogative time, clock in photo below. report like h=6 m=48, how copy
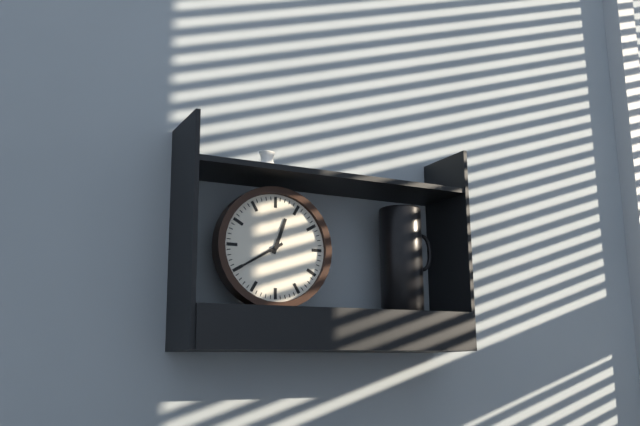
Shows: h=12 m=40
